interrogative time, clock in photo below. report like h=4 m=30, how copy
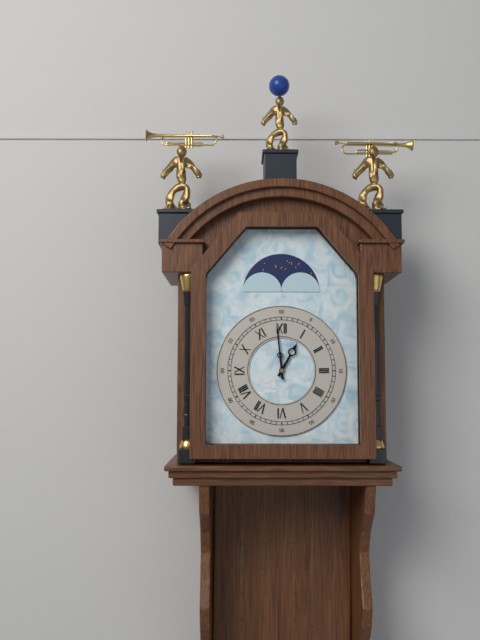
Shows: h=12 m=59
